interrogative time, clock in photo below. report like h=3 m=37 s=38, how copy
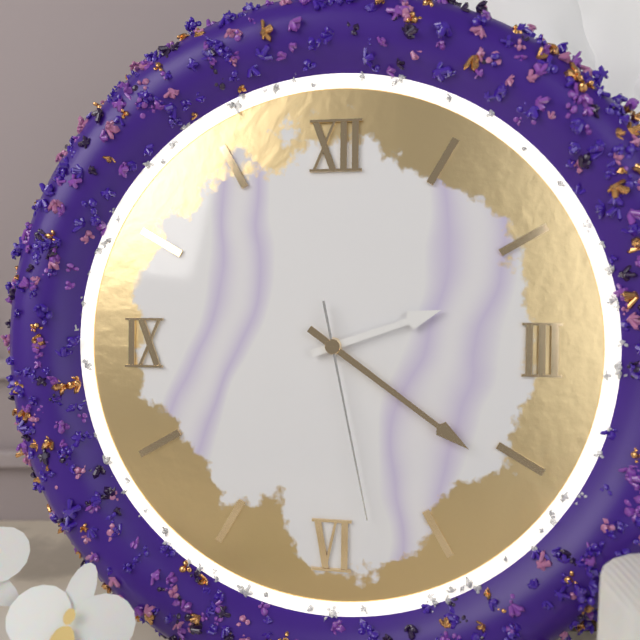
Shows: h=2 m=21 s=28
